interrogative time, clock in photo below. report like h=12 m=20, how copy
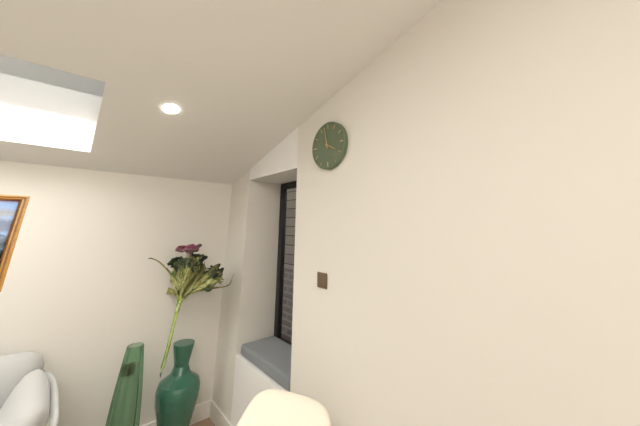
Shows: h=3 m=58
